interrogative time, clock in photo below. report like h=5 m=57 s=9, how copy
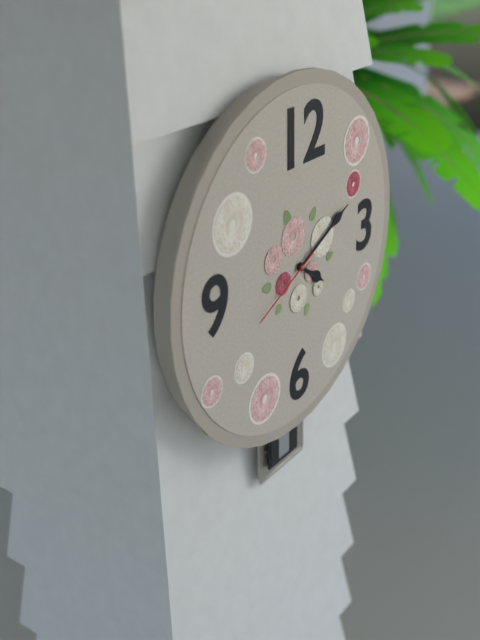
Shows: h=4 m=11 s=41
